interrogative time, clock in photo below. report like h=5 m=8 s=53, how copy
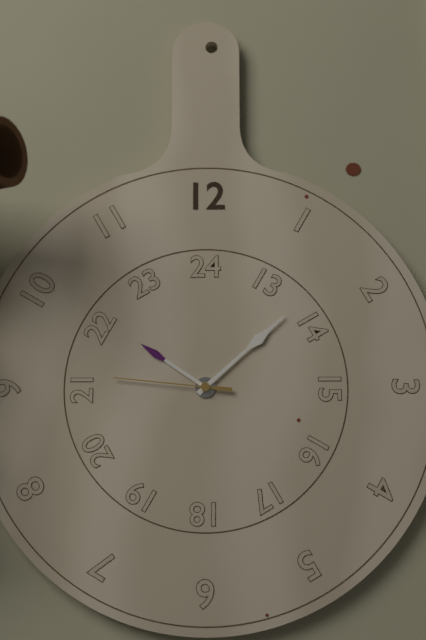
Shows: h=10 m=8 s=46
